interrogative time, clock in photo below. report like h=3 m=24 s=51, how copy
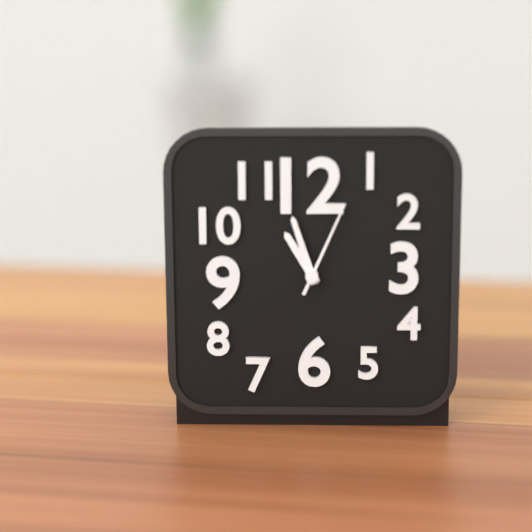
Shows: h=10 m=57 s=4
